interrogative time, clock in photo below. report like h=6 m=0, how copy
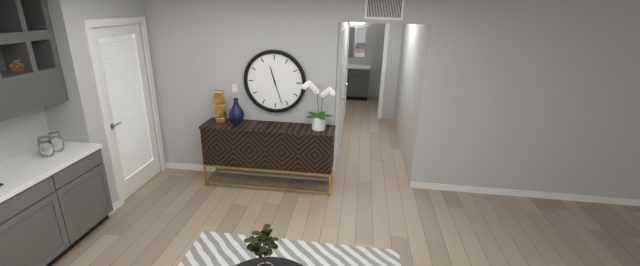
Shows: h=11 m=27
